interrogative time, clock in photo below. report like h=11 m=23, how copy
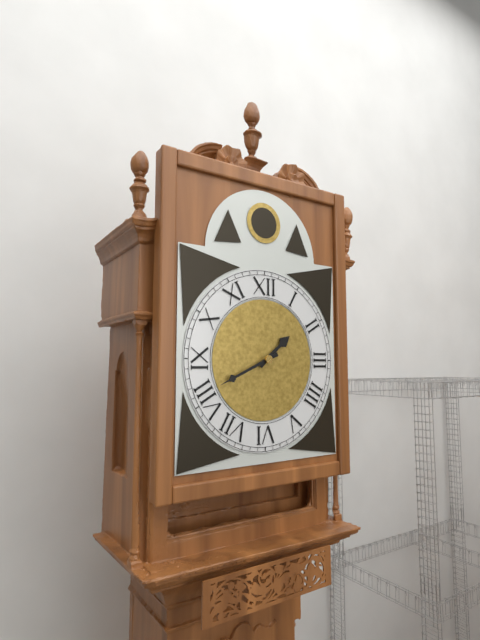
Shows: h=1 m=41
